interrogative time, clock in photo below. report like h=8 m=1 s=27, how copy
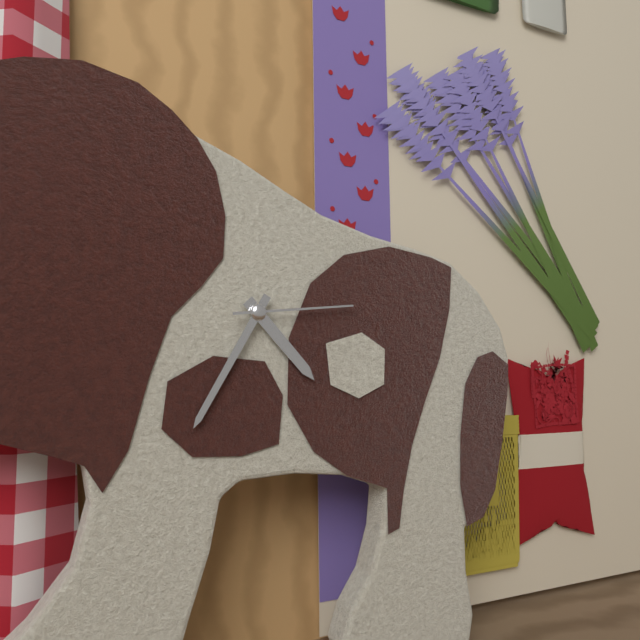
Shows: h=4 m=35 s=14
